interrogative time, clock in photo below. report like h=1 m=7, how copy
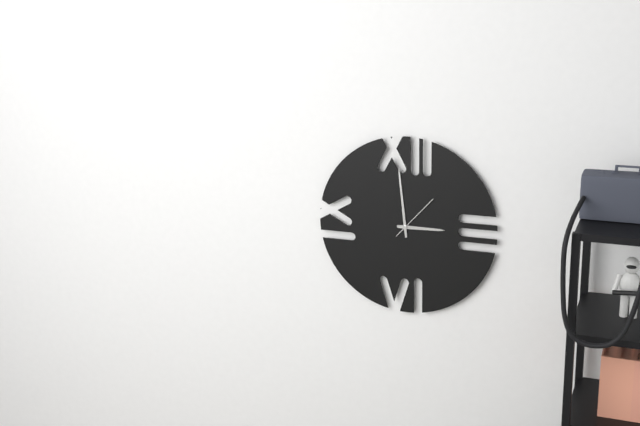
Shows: h=2 m=59
